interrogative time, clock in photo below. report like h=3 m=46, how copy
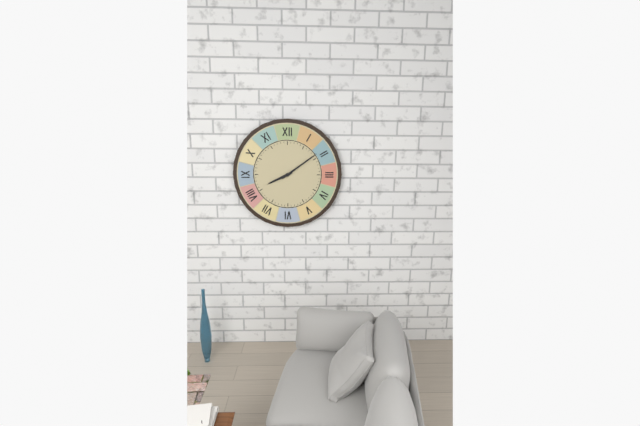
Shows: h=8 m=9
